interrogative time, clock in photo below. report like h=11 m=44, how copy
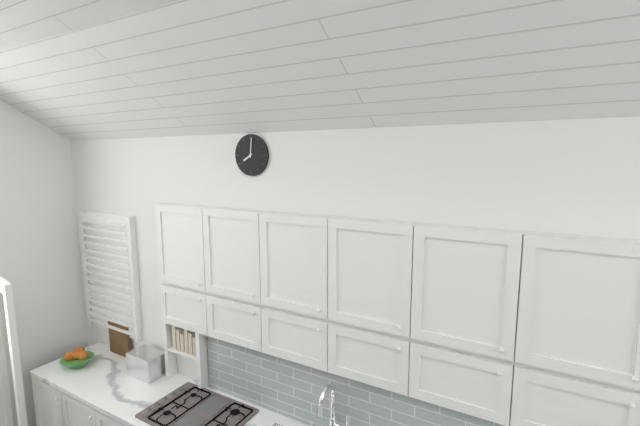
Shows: h=8 m=1
